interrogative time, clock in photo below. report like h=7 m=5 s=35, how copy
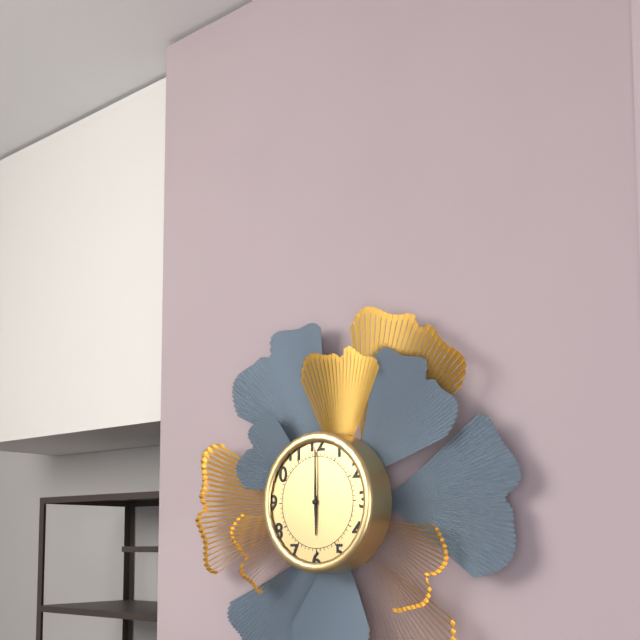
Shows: h=6 m=0 s=0
